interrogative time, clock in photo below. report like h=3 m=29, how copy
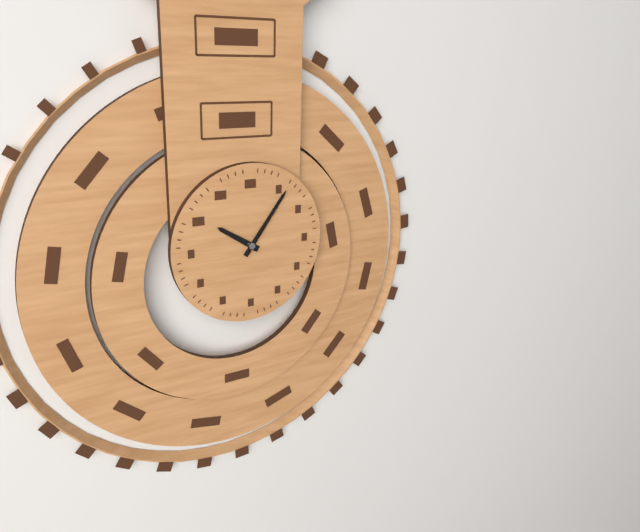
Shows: h=10 m=6
